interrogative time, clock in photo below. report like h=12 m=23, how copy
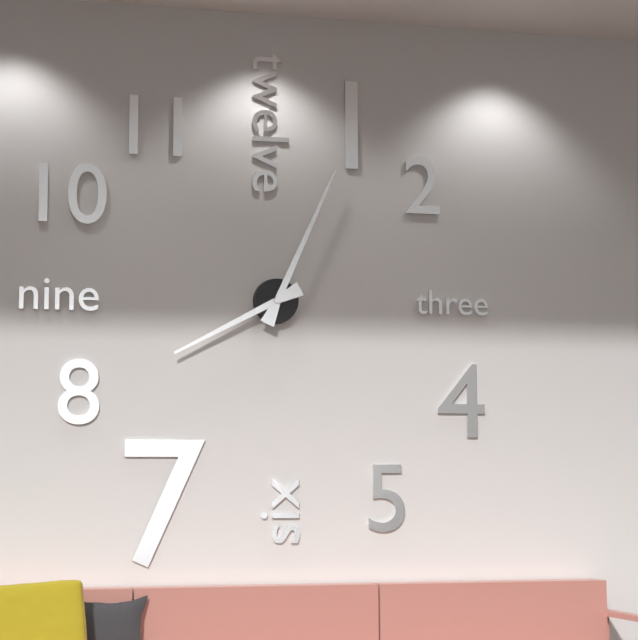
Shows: h=8 m=4
